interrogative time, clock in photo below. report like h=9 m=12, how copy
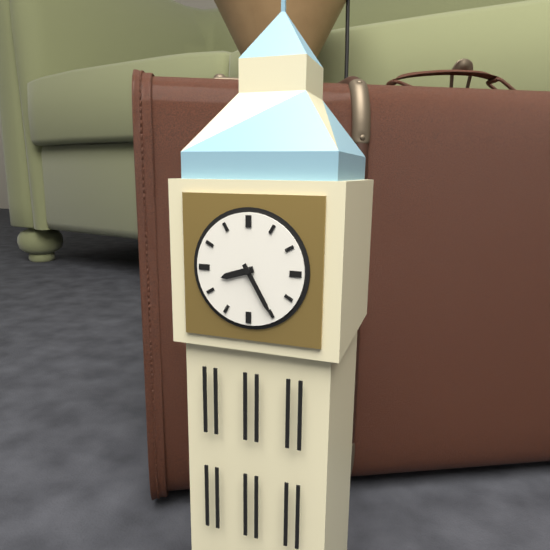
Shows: h=8 m=25
